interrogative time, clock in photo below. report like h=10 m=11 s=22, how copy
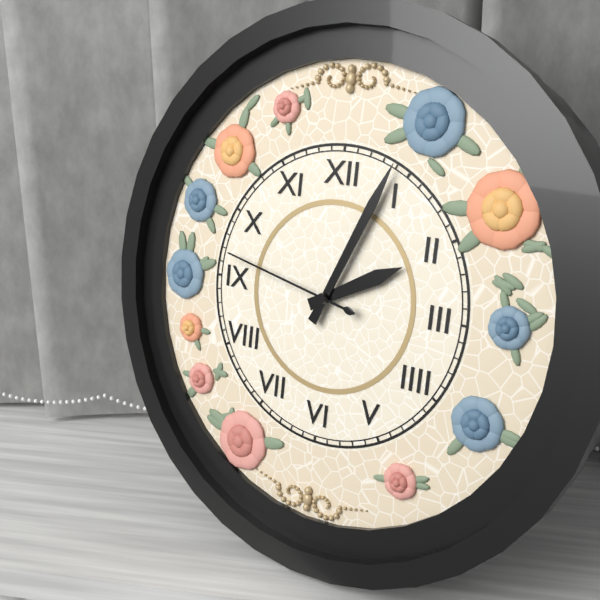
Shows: h=2 m=4 s=47
